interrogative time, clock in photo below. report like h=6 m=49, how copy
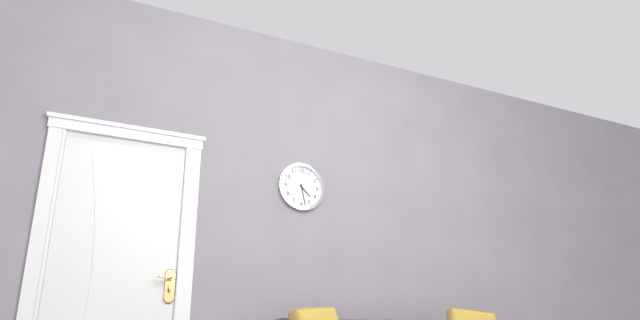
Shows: h=4 m=28
